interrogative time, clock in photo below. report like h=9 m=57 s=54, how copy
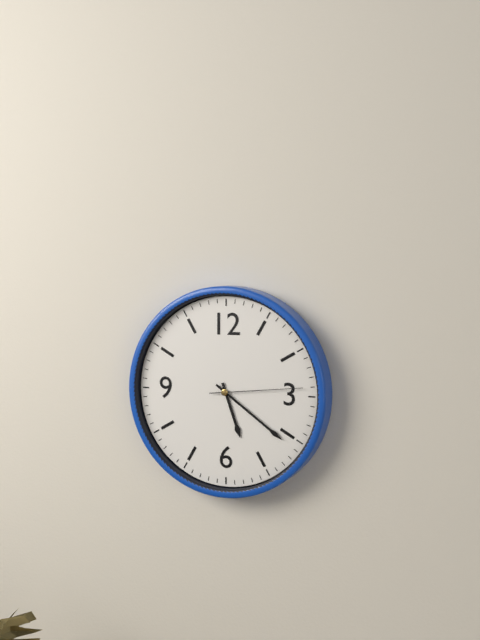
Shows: h=5 m=21 s=14
